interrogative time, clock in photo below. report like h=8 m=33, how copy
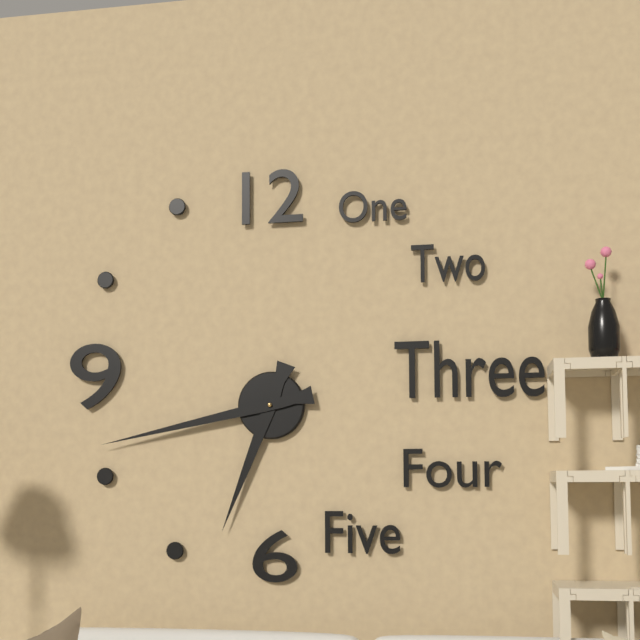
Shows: h=6 m=43
